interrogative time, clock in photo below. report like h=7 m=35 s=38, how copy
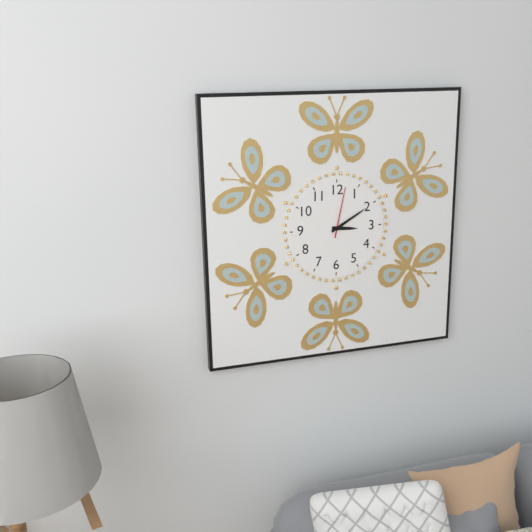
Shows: h=3 m=10 s=2
